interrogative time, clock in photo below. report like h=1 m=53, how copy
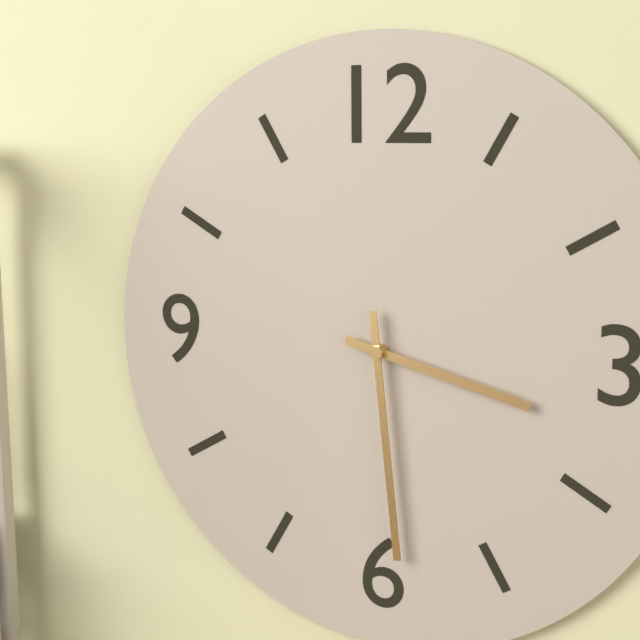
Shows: h=3 m=29
